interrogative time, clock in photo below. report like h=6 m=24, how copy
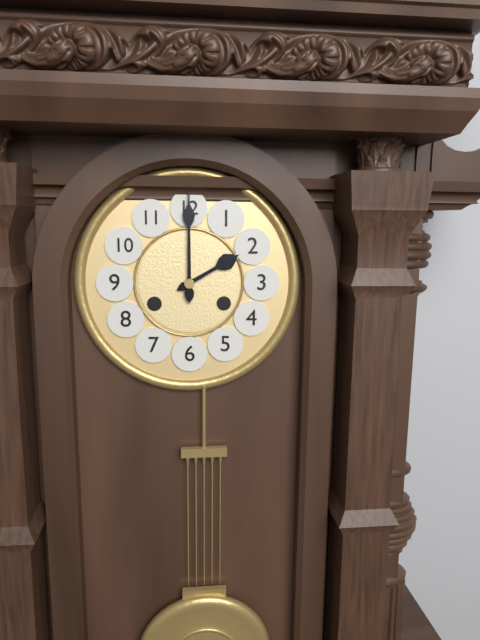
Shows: h=2 m=0
